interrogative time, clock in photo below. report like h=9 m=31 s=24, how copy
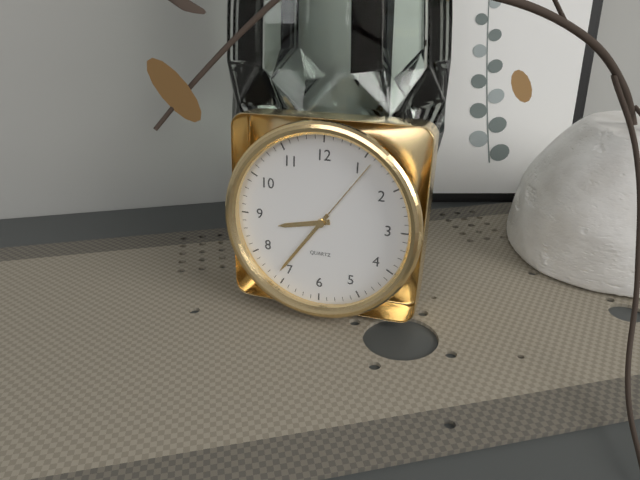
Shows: h=8 m=36 s=6
